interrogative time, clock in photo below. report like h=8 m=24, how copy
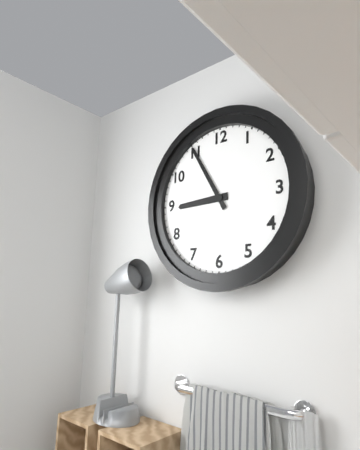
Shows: h=8 m=55
